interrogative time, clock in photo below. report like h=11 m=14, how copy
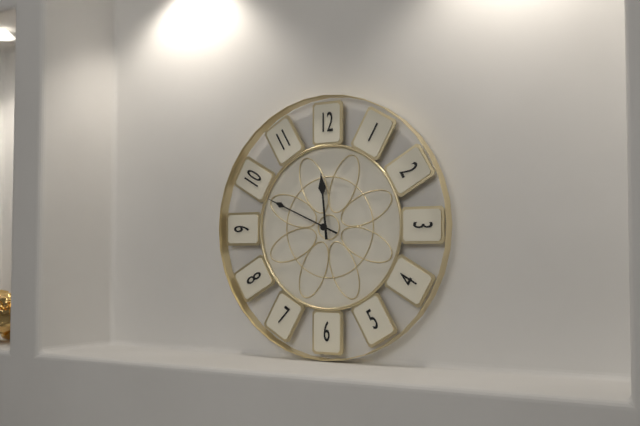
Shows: h=11 m=49
